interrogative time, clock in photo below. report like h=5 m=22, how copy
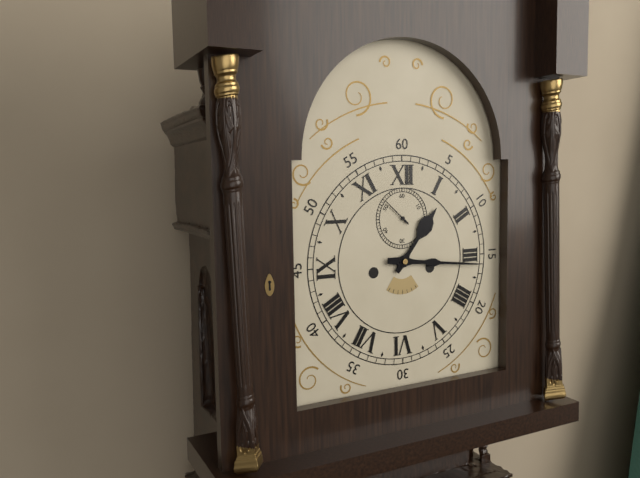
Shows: h=1 m=16
